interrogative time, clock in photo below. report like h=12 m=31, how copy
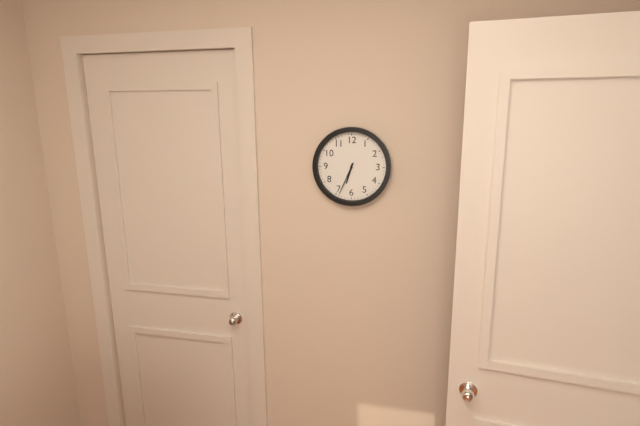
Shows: h=6 m=34
